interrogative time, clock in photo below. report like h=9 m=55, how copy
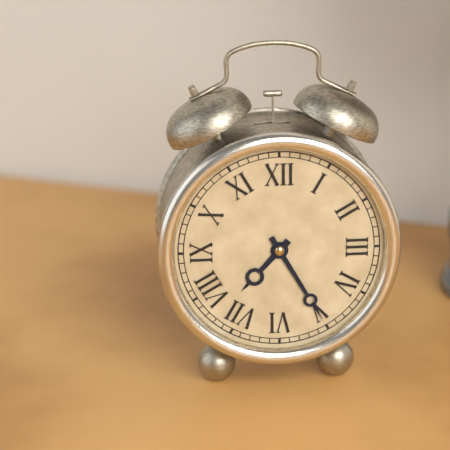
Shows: h=7 m=25
